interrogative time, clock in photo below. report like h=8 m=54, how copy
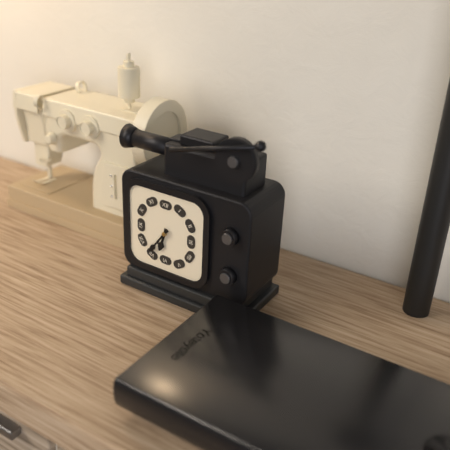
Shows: h=6 m=36
